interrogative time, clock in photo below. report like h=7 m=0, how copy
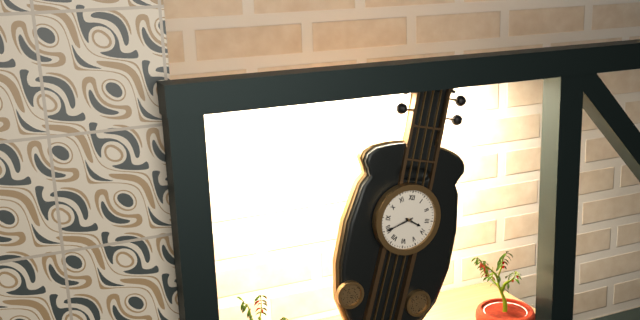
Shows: h=3 m=40
